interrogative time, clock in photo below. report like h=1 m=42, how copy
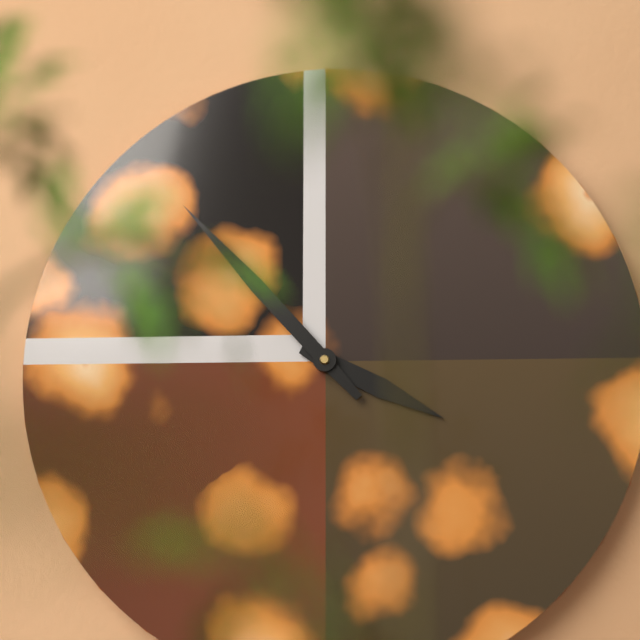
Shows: h=3 m=53
